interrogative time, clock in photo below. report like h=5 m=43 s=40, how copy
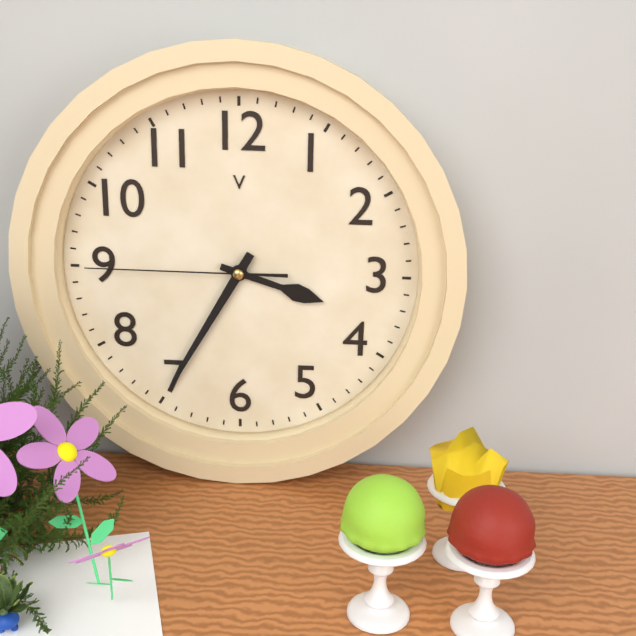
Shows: h=3 m=35 s=45
